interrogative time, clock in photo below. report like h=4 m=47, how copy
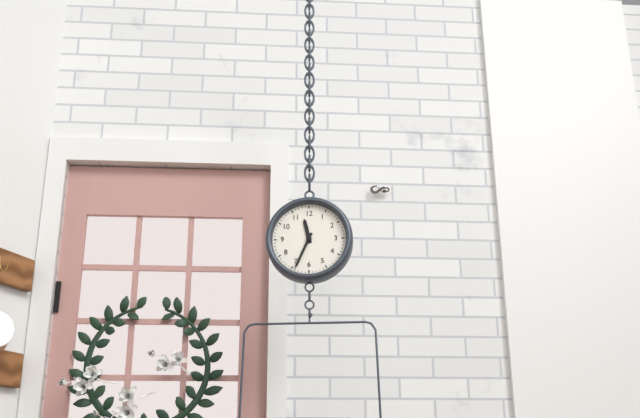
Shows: h=11 m=34
